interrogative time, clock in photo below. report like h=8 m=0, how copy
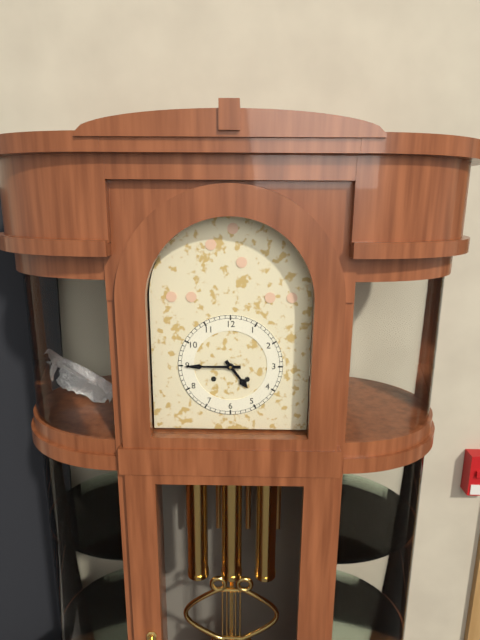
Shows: h=4 m=45
